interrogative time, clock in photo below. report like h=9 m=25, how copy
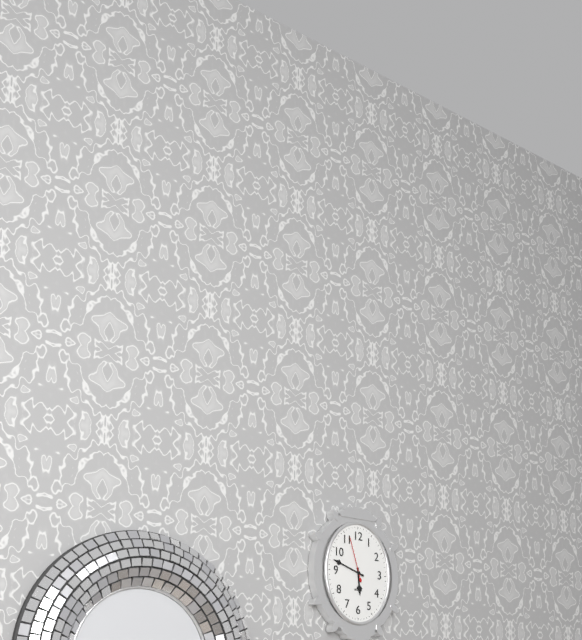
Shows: h=5 m=48
